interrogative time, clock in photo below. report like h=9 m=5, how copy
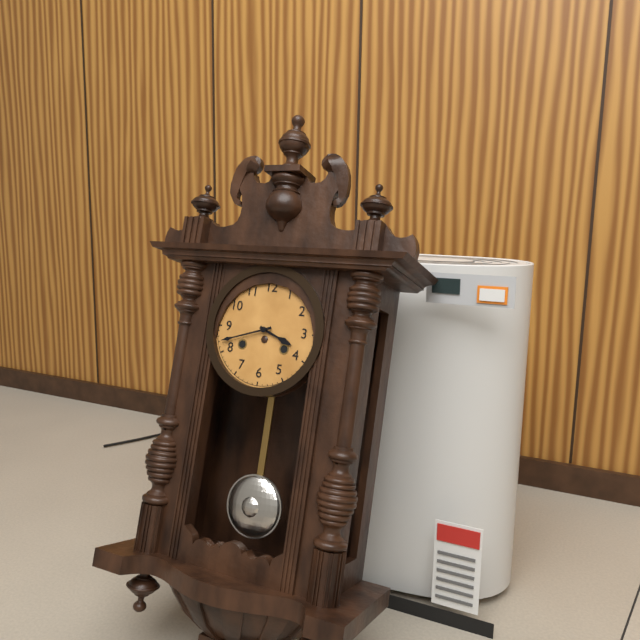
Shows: h=3 m=42
